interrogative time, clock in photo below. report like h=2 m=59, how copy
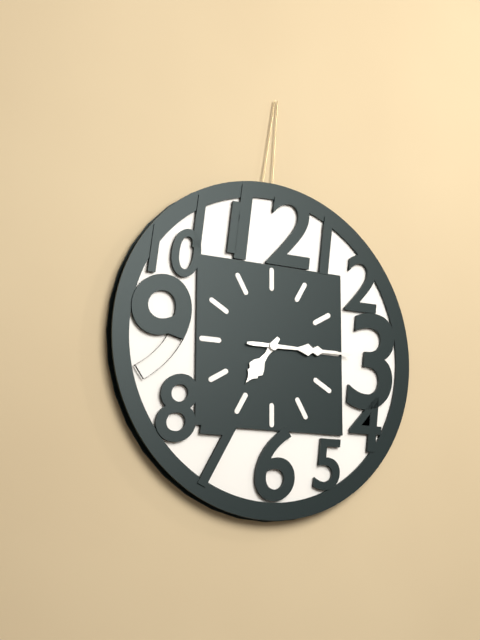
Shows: h=7 m=15
